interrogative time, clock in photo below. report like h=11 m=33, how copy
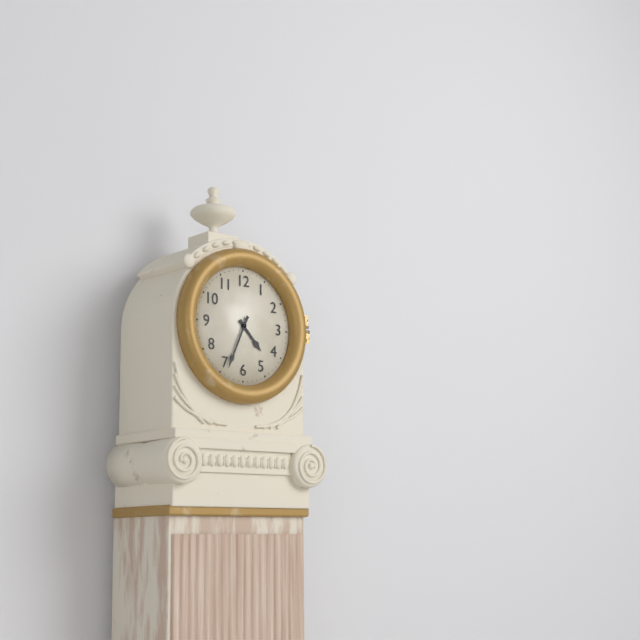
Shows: h=4 m=34
